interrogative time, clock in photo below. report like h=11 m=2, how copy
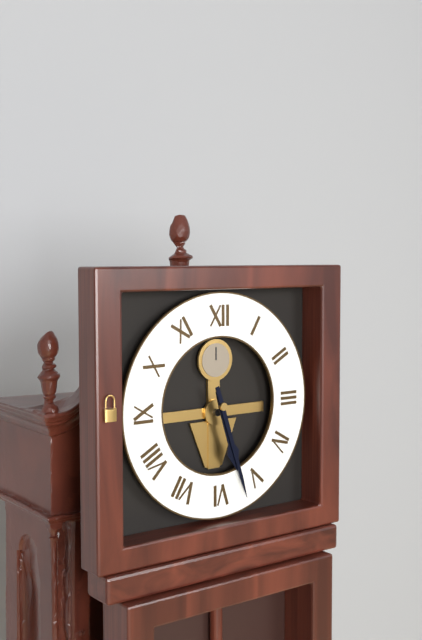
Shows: h=5 m=27
